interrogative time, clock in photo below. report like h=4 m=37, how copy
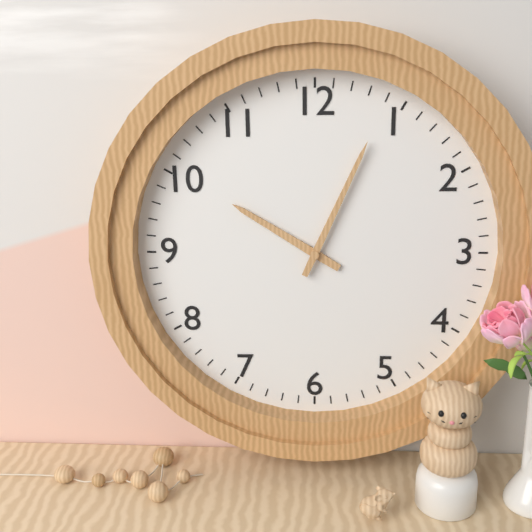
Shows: h=10 m=4
